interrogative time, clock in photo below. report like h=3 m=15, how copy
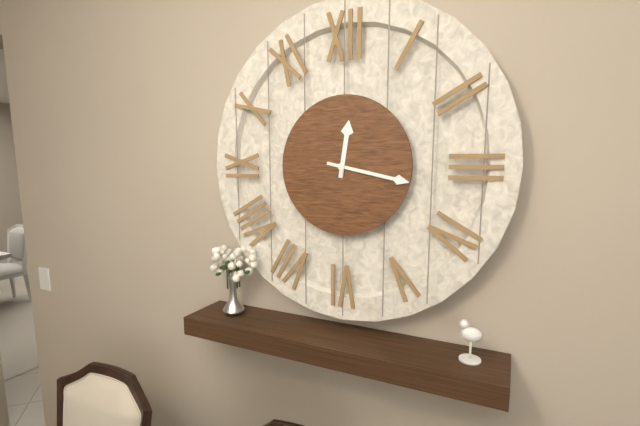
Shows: h=12 m=17
